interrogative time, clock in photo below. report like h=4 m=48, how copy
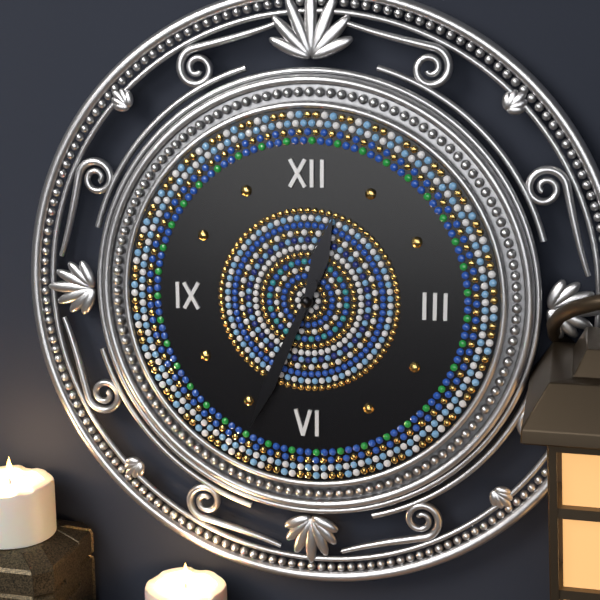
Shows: h=12 m=34
